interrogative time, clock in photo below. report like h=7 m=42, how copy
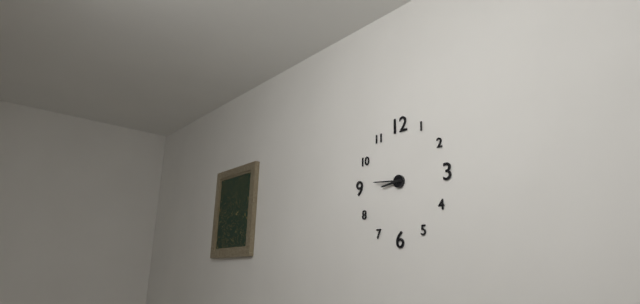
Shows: h=8 m=46
